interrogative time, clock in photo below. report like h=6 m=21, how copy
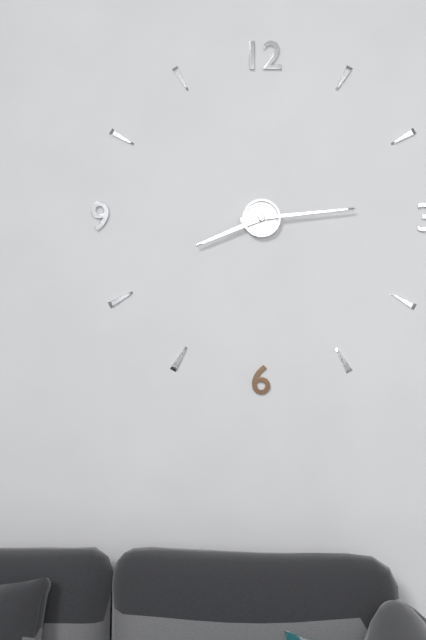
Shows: h=8 m=14
